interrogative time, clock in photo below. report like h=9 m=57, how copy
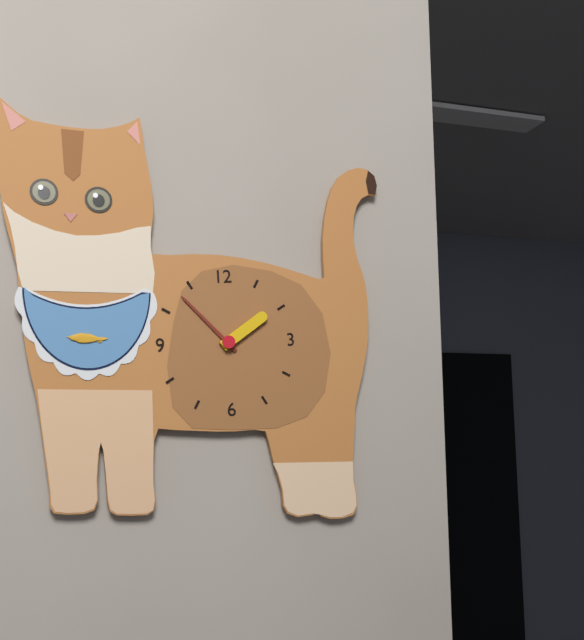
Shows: h=1 m=53
